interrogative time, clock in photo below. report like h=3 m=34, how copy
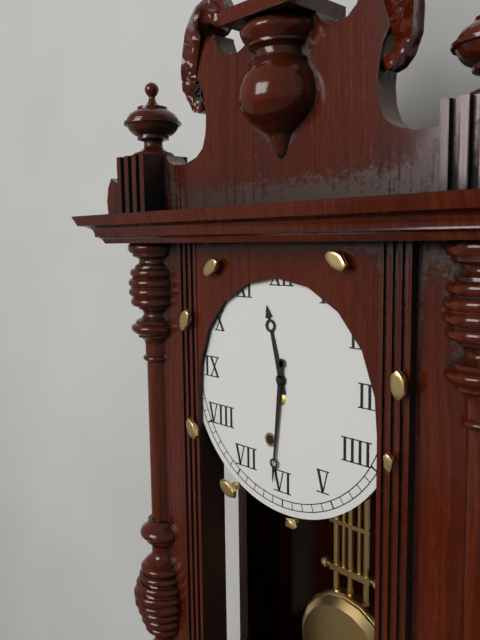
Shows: h=11 m=31
